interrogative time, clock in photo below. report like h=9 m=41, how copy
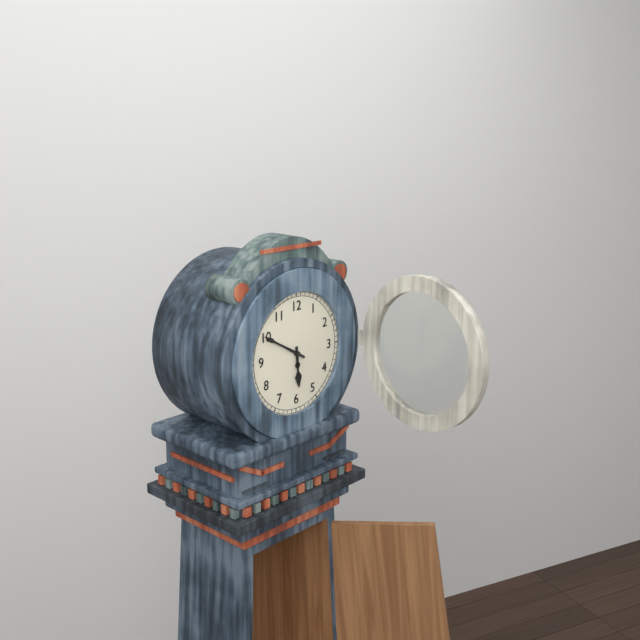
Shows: h=5 m=50
